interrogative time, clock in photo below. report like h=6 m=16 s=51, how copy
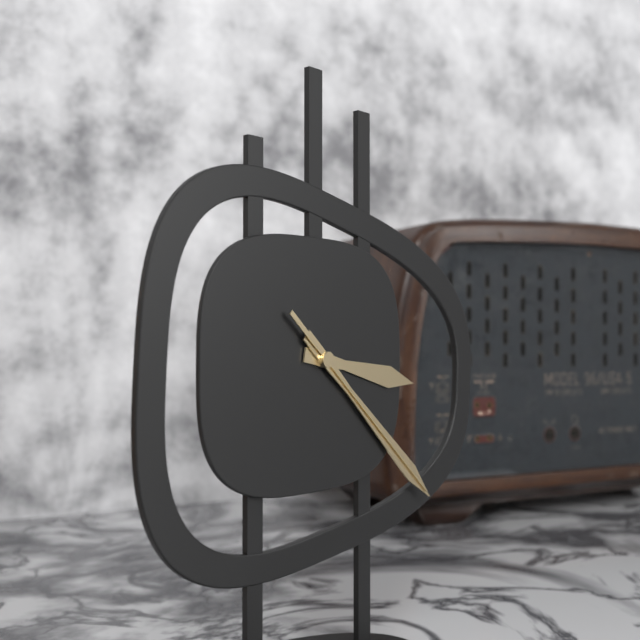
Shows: h=3 m=22 s=22
